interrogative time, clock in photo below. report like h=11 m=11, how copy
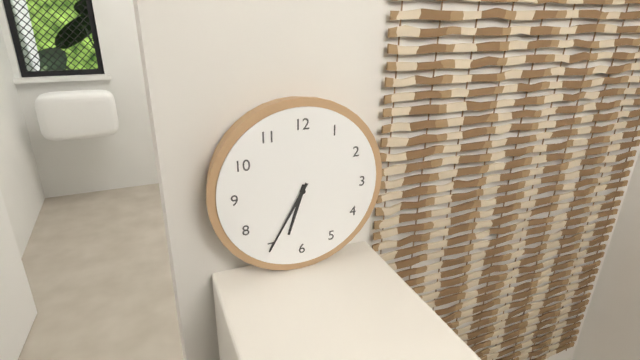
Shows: h=6 m=35
